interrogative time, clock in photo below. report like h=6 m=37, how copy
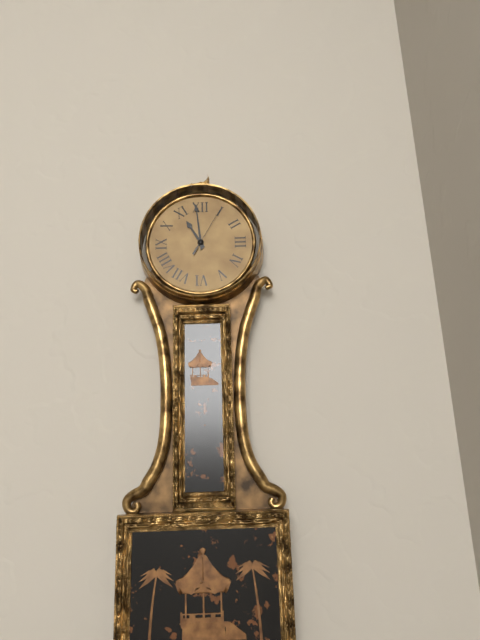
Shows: h=10 m=59
